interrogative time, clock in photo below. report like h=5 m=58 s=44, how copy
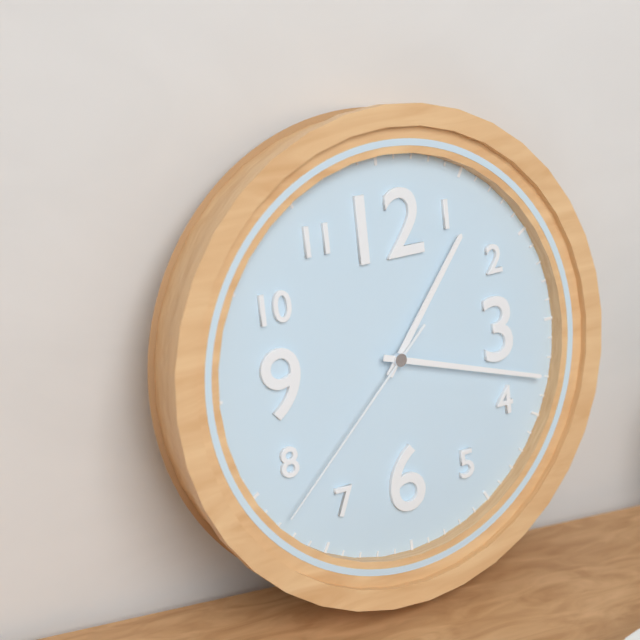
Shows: h=1 m=18 s=38
